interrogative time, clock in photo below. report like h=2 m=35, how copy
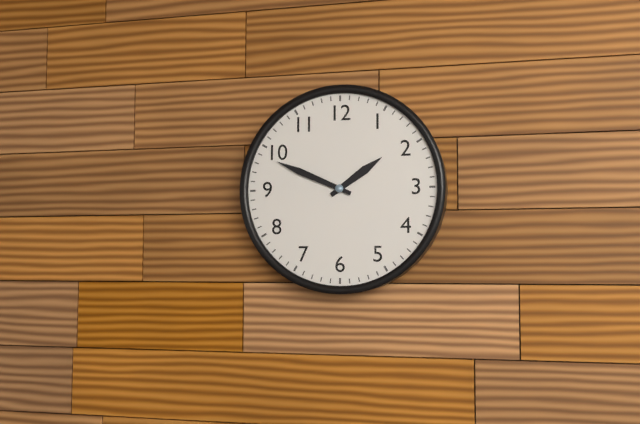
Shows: h=1 m=49
